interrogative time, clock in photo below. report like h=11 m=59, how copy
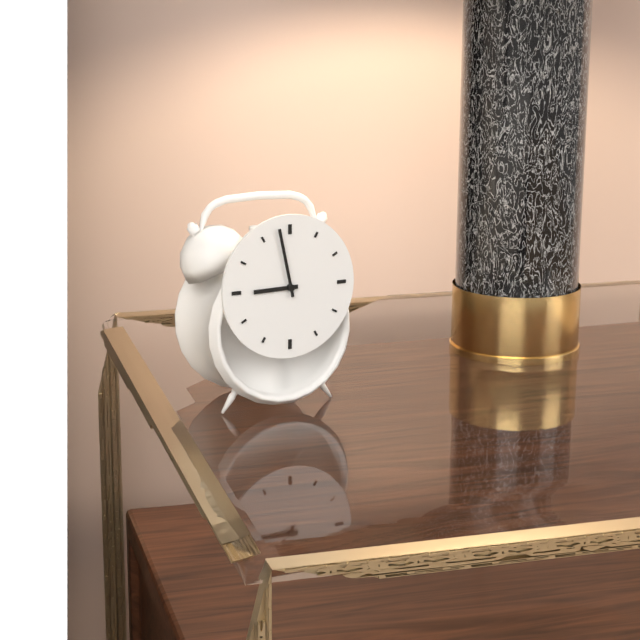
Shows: h=8 m=58
